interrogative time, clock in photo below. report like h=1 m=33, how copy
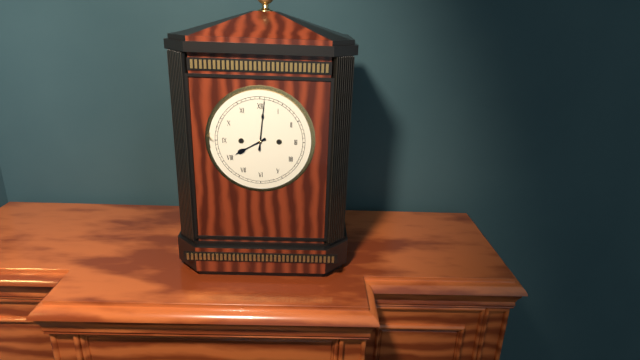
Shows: h=8 m=1
